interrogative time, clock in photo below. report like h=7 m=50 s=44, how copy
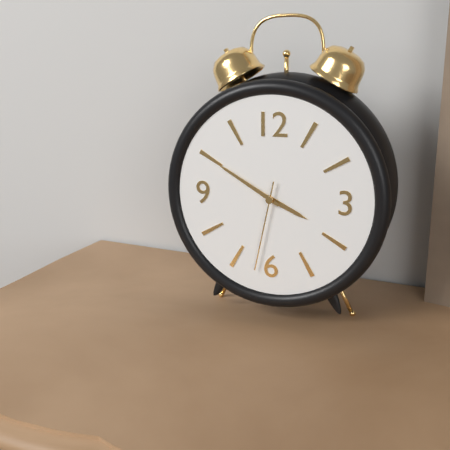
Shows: h=3 m=50 s=32
